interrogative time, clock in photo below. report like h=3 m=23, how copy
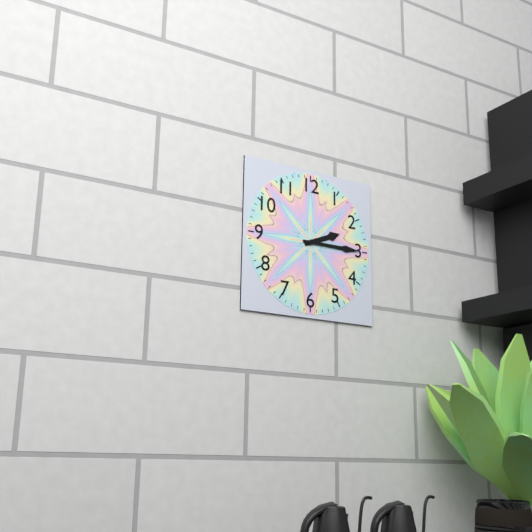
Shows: h=2 m=15
